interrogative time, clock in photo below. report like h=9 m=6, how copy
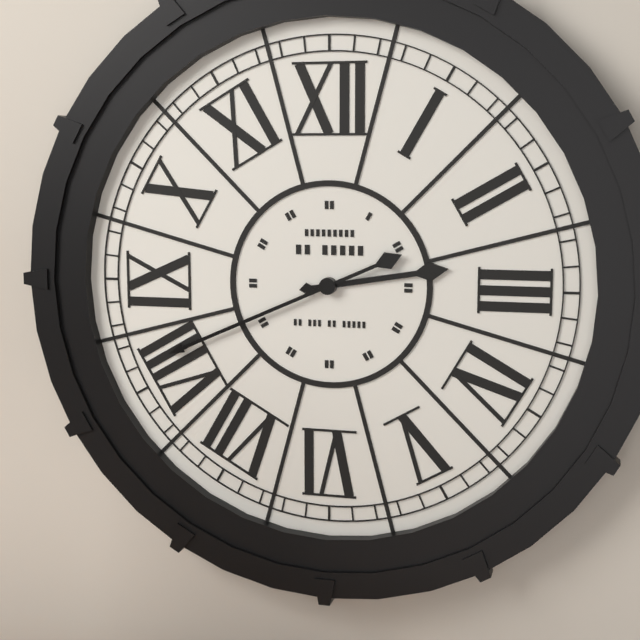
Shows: h=2 m=41
